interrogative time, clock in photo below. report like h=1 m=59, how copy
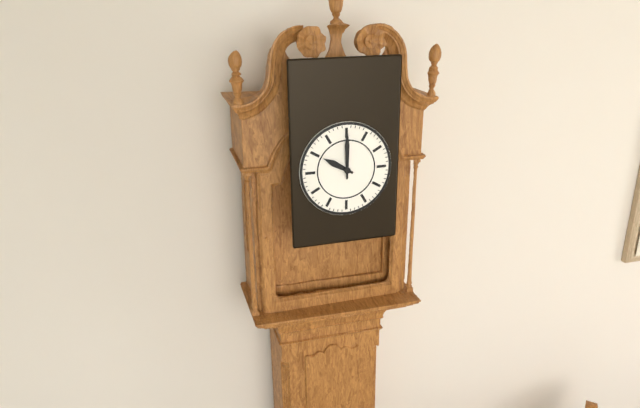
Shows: h=10 m=0
